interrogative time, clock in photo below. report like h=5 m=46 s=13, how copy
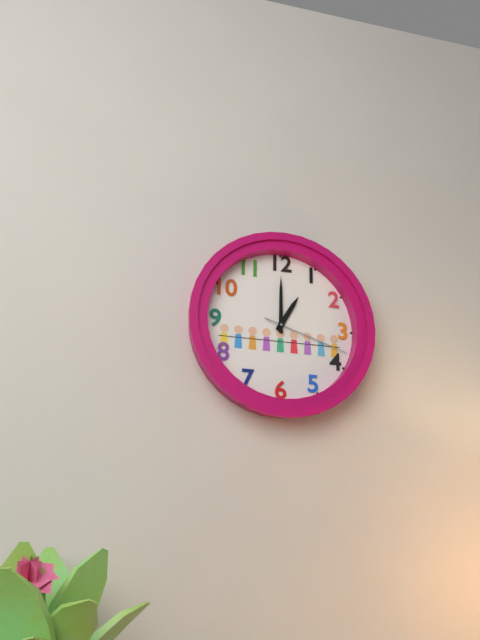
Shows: h=1 m=0 s=18
